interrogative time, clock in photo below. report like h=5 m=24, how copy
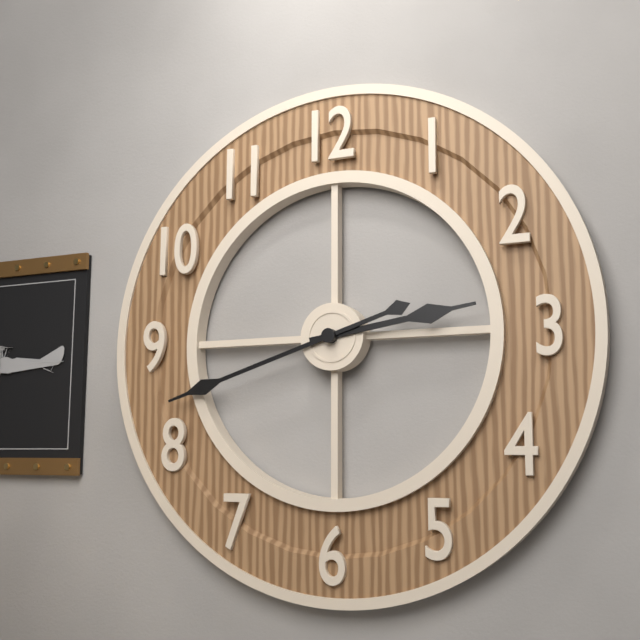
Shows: h=2 m=42
